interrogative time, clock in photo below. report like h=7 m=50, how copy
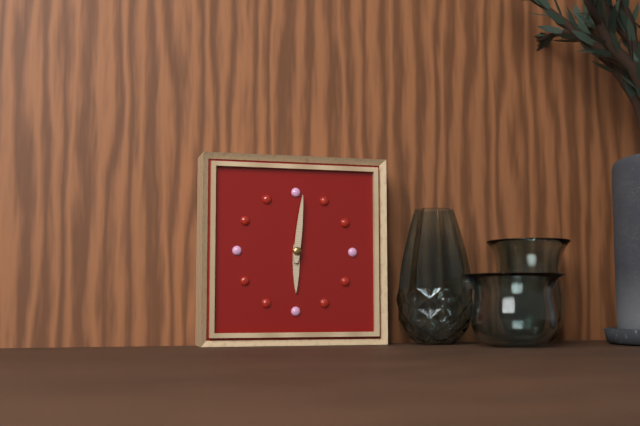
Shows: h=6 m=1
